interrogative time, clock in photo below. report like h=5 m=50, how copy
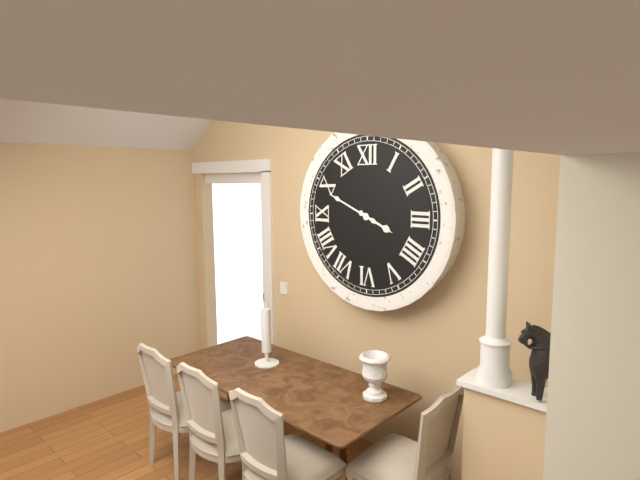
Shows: h=3 m=49
